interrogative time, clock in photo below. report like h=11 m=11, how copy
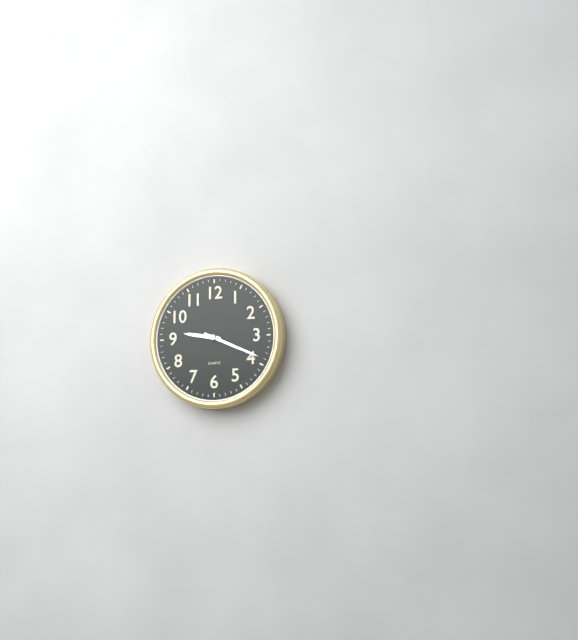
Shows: h=9 m=19
